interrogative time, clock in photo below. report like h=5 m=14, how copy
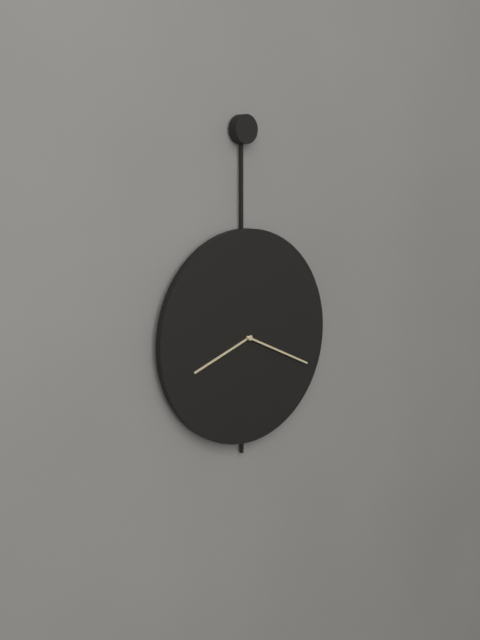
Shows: h=8 m=19
